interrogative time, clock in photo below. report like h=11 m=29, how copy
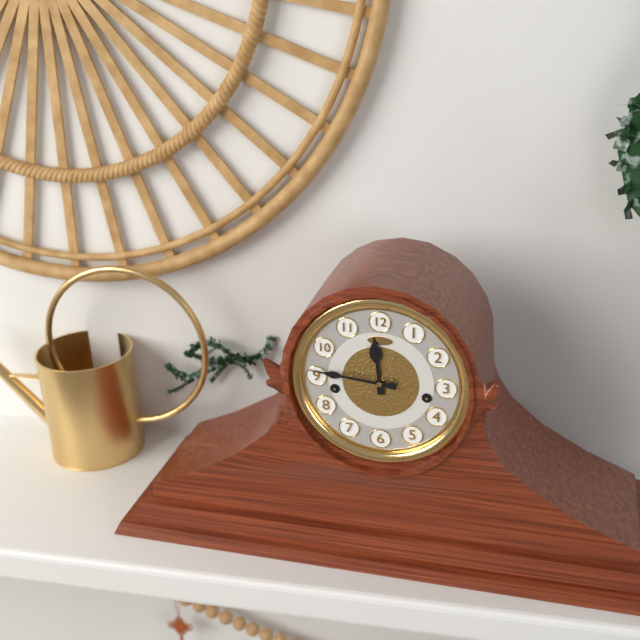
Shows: h=11 m=46
